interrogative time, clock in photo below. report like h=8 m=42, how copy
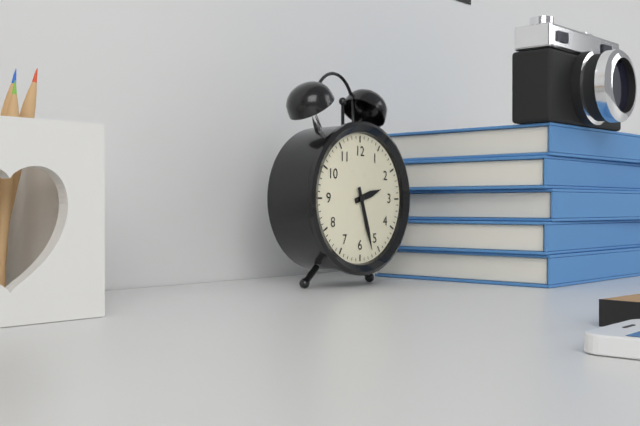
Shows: h=2 m=27
